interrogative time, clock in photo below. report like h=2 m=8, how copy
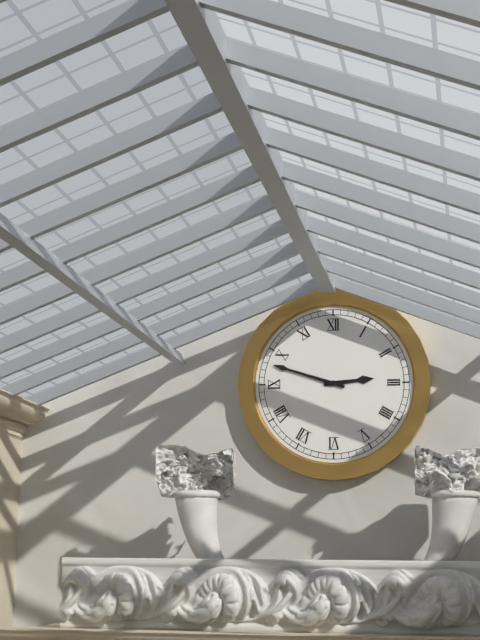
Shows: h=2 m=48
